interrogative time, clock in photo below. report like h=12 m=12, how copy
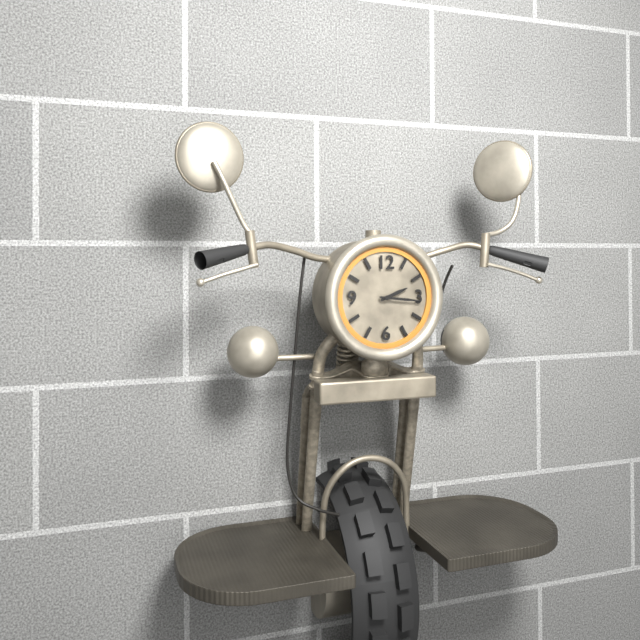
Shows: h=2 m=16
